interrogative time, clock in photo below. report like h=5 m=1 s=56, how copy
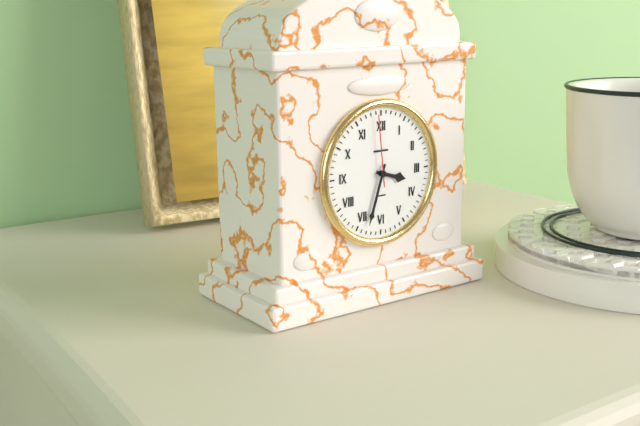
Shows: h=3 m=33 s=59
